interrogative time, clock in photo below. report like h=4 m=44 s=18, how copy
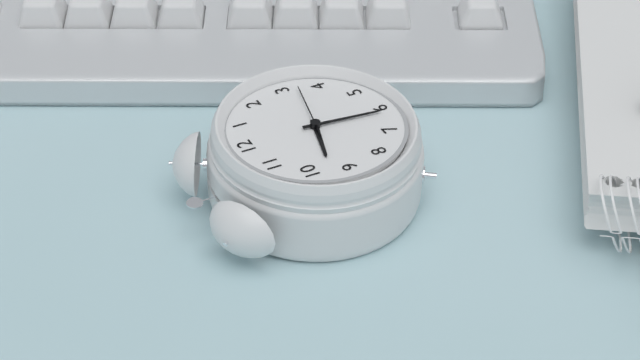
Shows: h=9 m=31 s=17
